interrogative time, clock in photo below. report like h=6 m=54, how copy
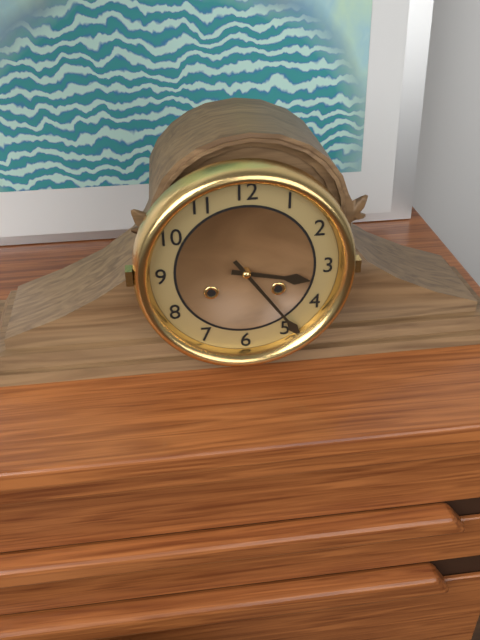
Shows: h=3 m=24
